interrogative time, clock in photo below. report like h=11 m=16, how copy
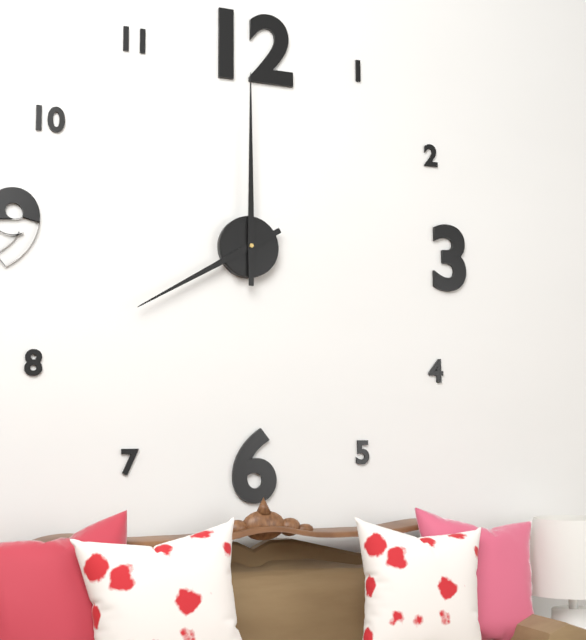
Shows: h=8 m=0
